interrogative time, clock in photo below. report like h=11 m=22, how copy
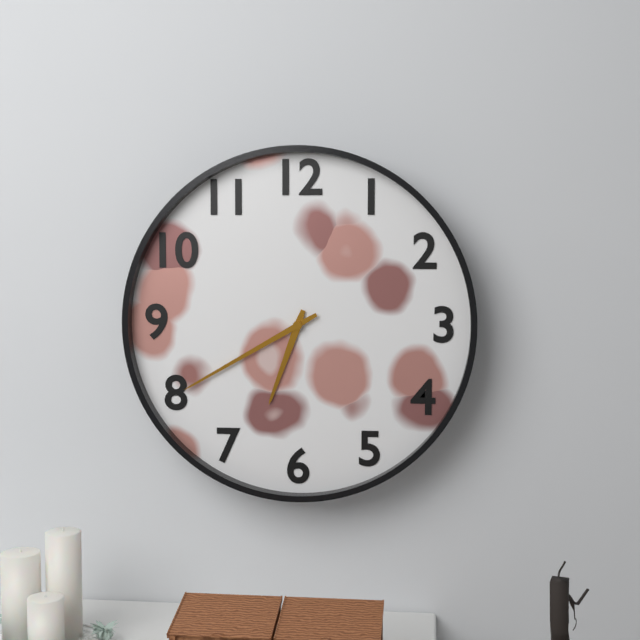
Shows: h=6 m=40
